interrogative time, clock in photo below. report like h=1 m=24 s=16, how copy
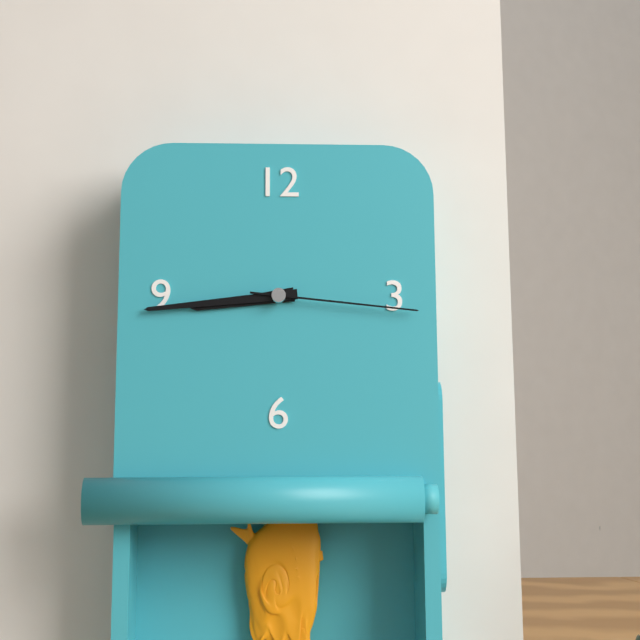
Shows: h=8 m=44 s=16
